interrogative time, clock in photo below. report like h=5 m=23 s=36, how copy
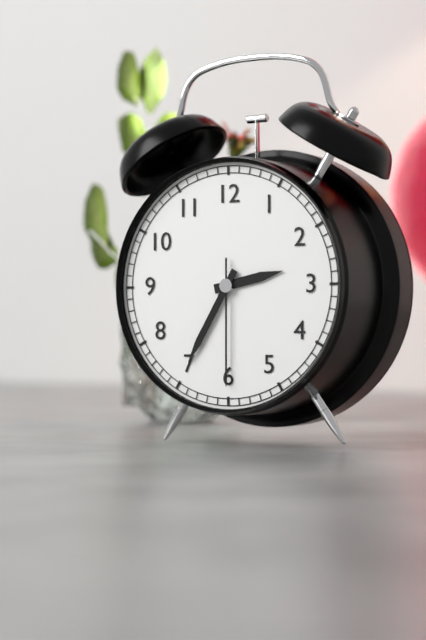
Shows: h=2 m=35 s=30
